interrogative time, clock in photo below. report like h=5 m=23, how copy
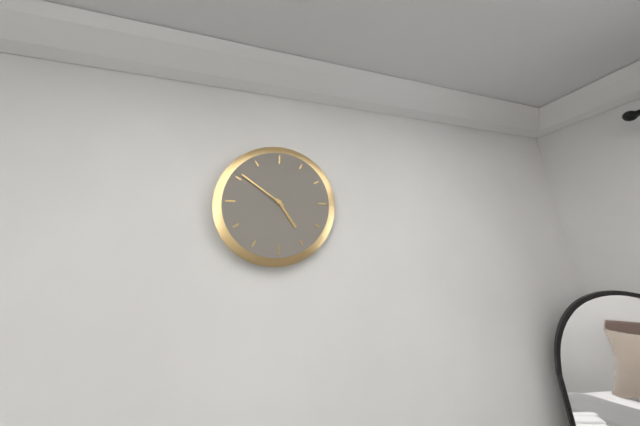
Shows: h=4 m=51
